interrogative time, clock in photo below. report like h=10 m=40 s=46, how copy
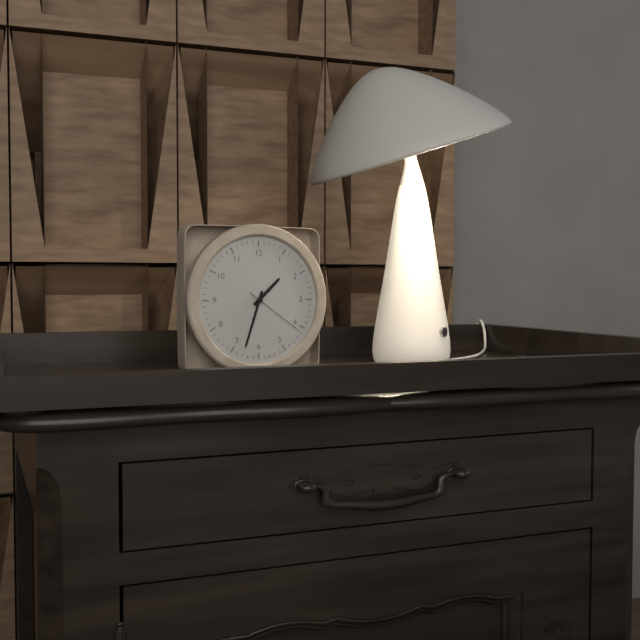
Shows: h=1 m=33 s=21
